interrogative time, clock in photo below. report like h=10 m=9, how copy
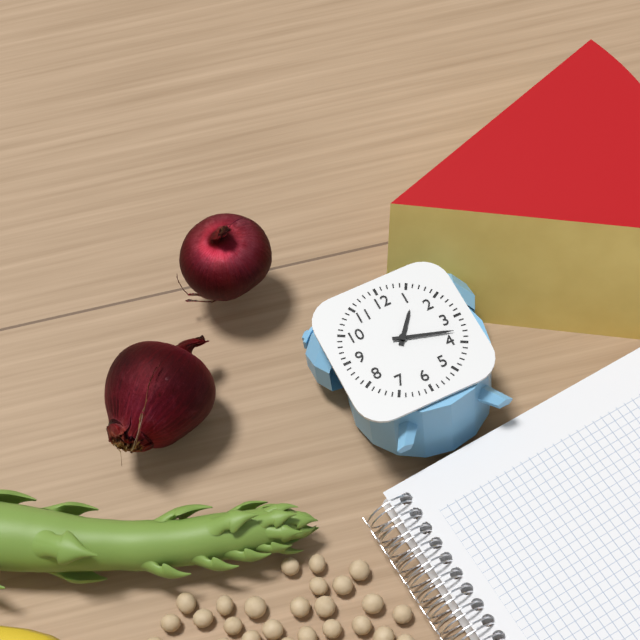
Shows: h=1 m=18
